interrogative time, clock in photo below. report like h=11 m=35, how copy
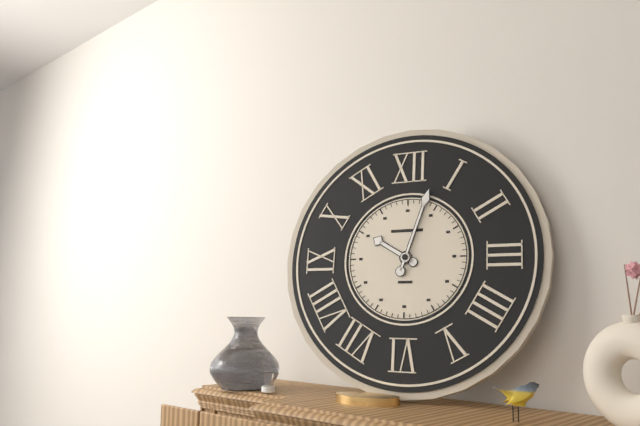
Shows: h=10 m=3
